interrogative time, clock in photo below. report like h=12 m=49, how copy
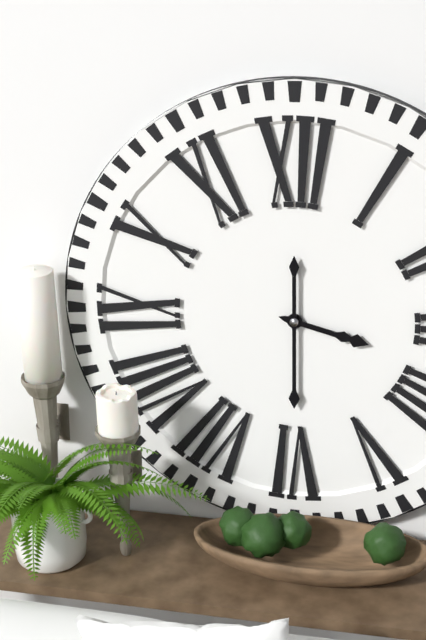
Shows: h=3 m=30
